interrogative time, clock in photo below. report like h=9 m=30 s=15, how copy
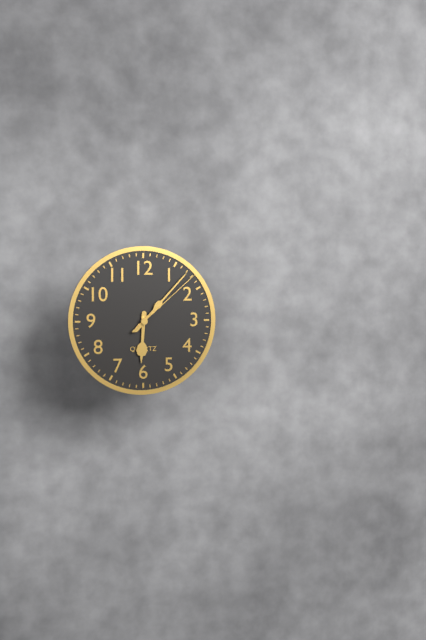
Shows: h=6 m=7 s=8
